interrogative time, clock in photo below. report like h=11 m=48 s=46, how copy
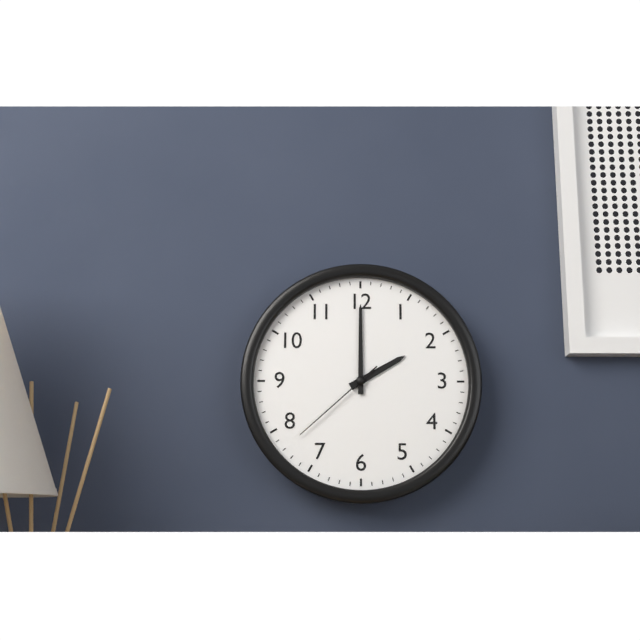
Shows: h=2 m=0 s=38
